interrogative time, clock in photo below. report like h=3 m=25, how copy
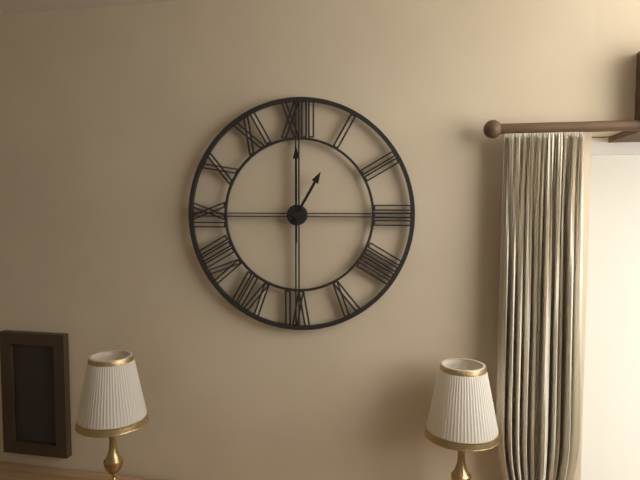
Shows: h=1 m=0
